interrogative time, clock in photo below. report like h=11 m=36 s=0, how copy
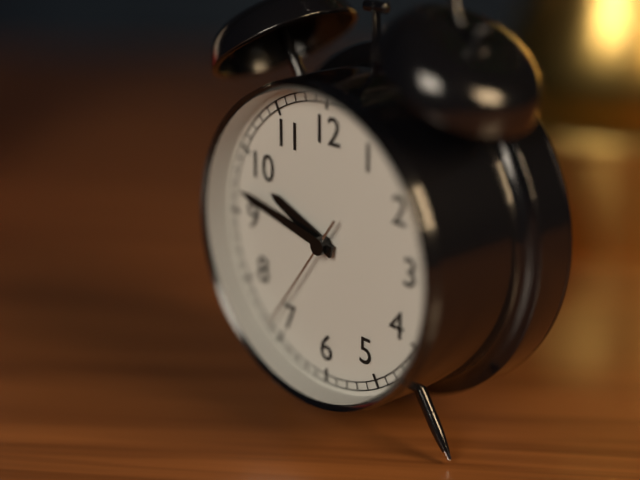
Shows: h=9 m=47 s=36
